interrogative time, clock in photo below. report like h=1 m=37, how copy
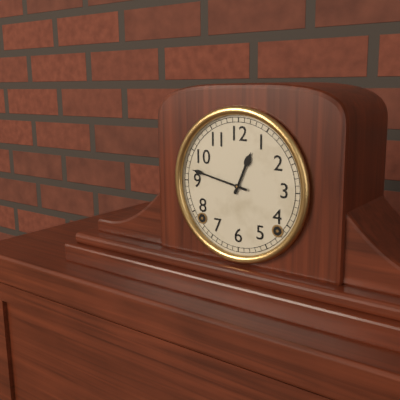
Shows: h=12 m=47
